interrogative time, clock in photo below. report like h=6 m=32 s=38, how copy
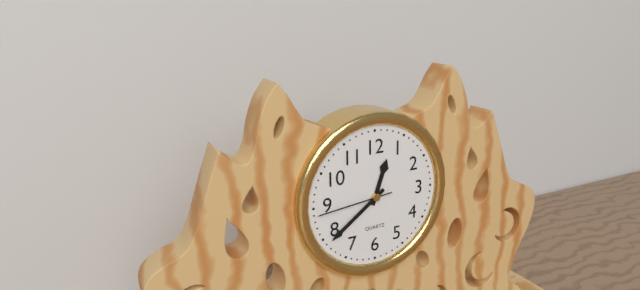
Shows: h=12 m=39 s=44
